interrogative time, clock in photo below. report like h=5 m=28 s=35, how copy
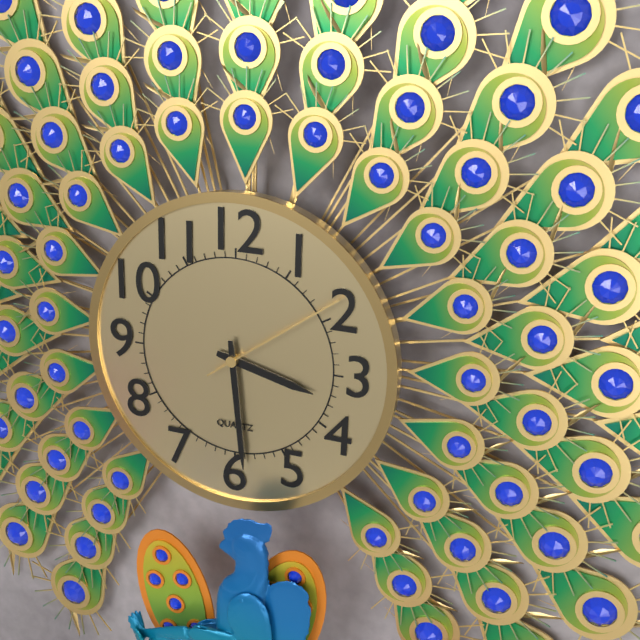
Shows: h=3 m=29 s=9
